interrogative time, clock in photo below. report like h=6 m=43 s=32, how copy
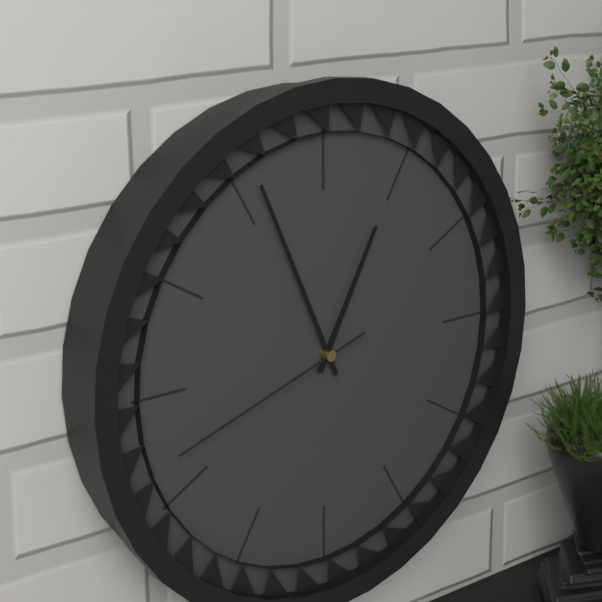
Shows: h=12 m=56 s=42
